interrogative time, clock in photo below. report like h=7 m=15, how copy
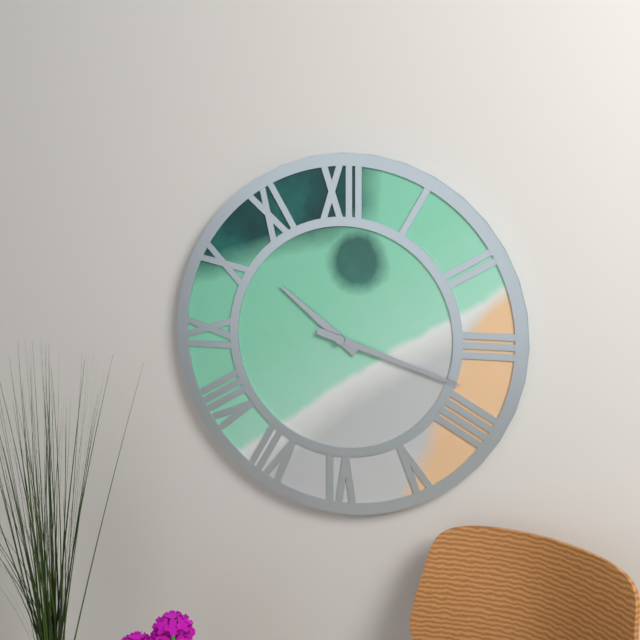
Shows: h=10 m=18
